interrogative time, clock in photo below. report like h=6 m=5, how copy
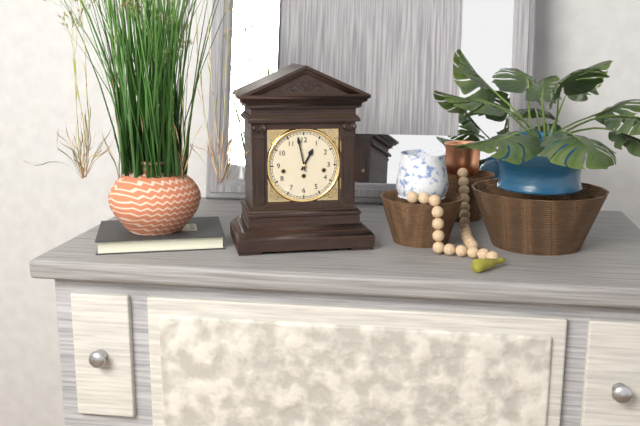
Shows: h=12 m=58
